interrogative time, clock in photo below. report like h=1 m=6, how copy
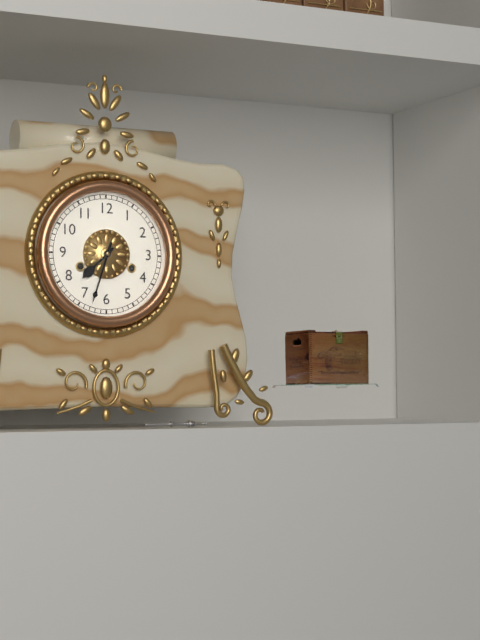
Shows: h=7 m=33
